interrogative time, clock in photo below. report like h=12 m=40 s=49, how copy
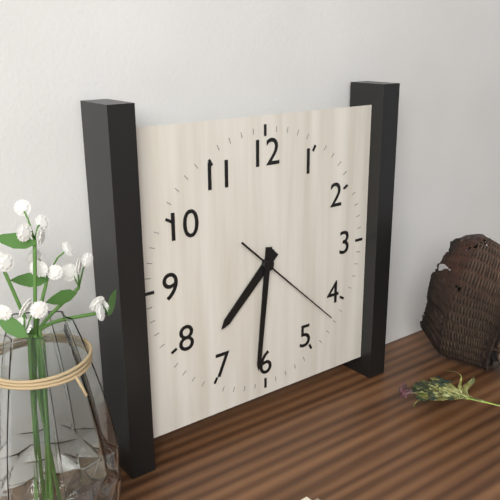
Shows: h=7 m=31 s=22
